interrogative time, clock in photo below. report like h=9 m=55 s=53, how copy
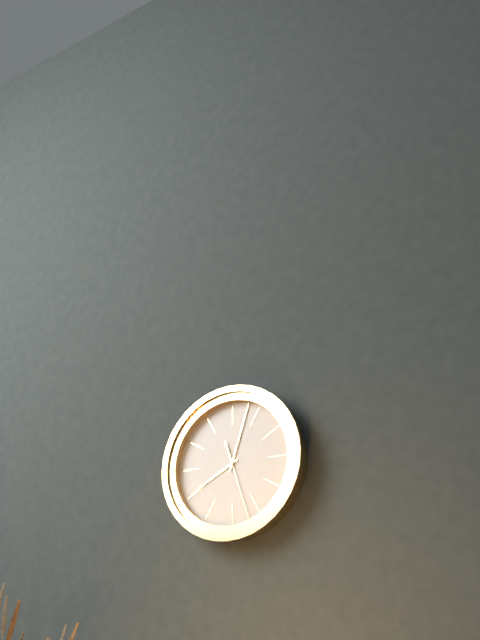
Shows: h=8 m=3 s=27
